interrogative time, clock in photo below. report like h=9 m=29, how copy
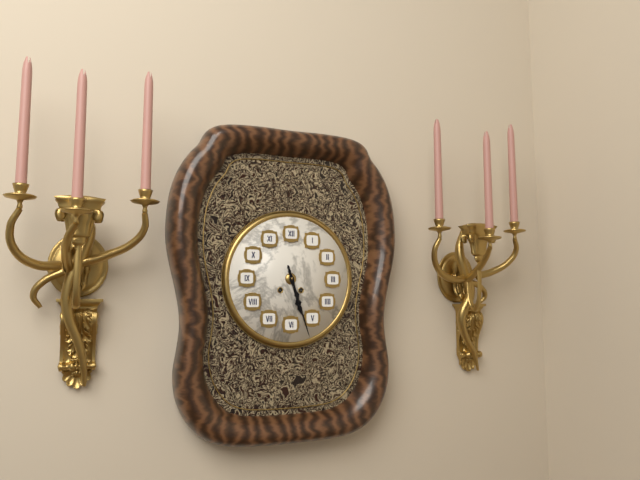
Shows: h=5 m=27
